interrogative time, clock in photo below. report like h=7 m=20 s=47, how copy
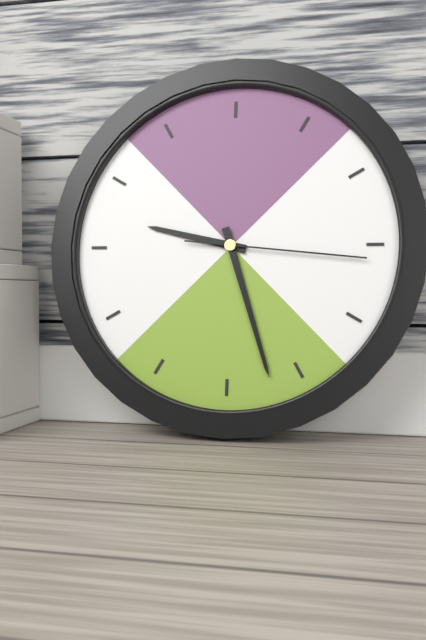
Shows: h=9 m=27 s=16
